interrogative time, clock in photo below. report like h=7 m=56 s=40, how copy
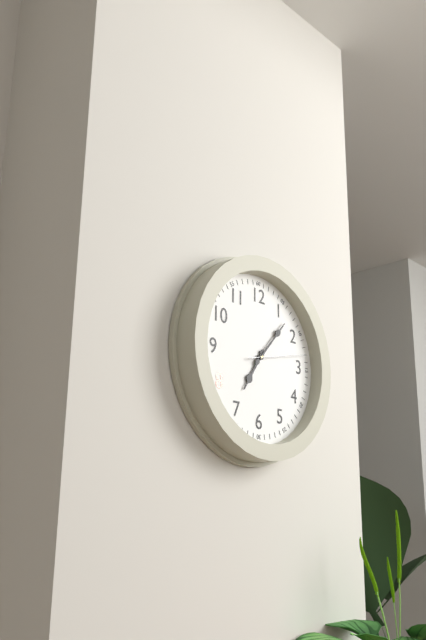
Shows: h=7 m=7 s=13
